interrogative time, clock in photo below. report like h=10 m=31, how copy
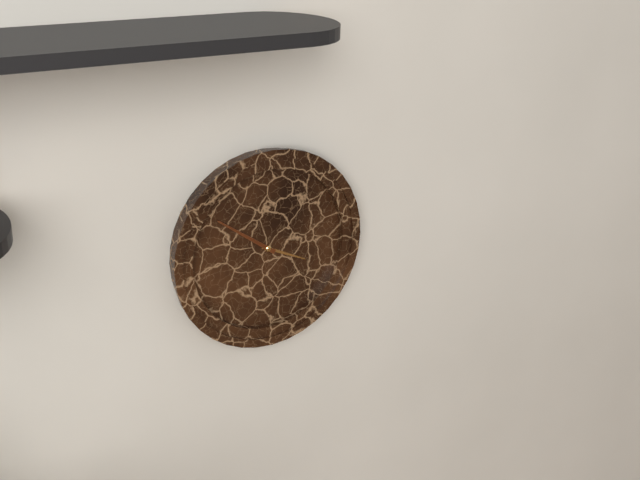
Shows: h=3 m=51
